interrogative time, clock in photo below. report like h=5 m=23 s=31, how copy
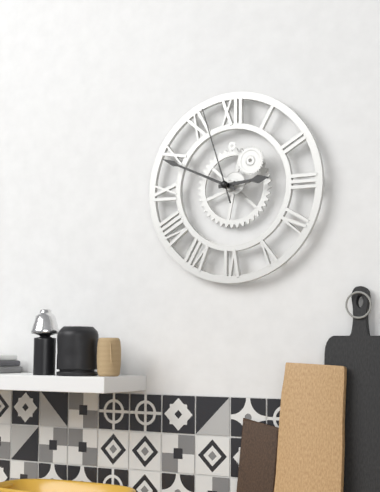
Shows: h=2 m=49 s=57
